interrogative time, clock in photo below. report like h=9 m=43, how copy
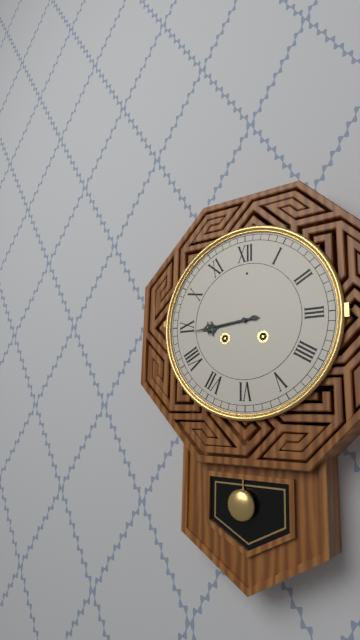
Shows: h=8 m=44
